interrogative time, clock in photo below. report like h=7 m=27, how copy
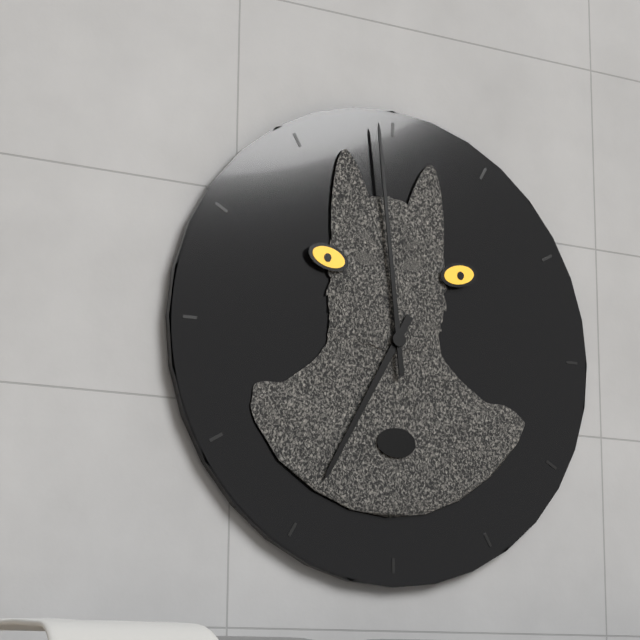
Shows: h=6 m=59
